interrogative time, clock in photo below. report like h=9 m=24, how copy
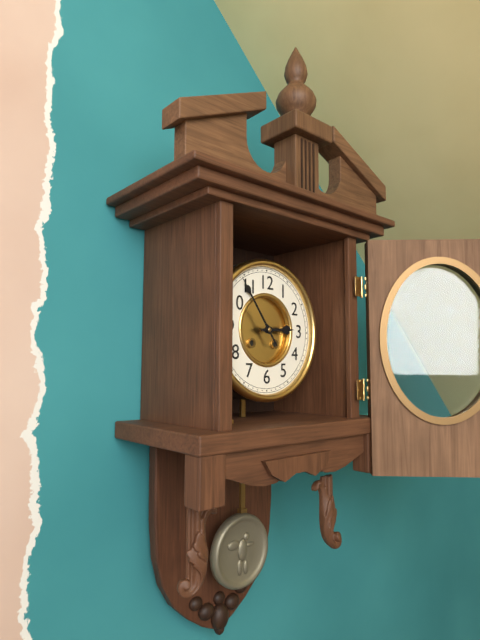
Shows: h=2 m=54
